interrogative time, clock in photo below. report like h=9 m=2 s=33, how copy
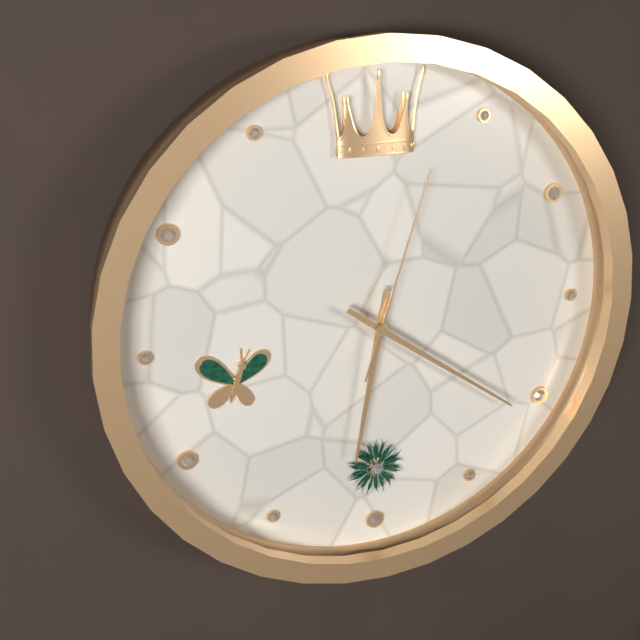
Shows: h=6 m=21 s=3
